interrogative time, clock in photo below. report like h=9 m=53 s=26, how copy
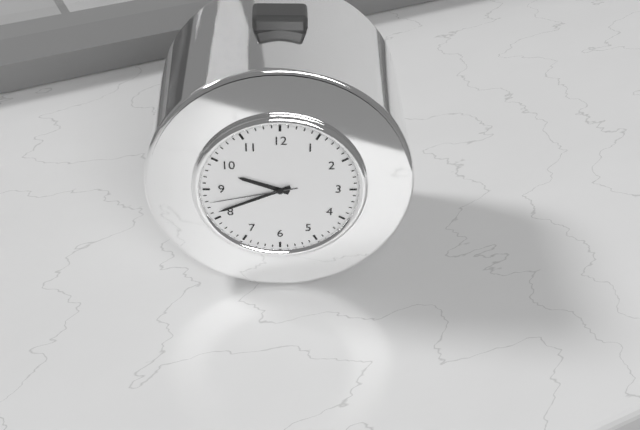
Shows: h=9 m=41 s=43
